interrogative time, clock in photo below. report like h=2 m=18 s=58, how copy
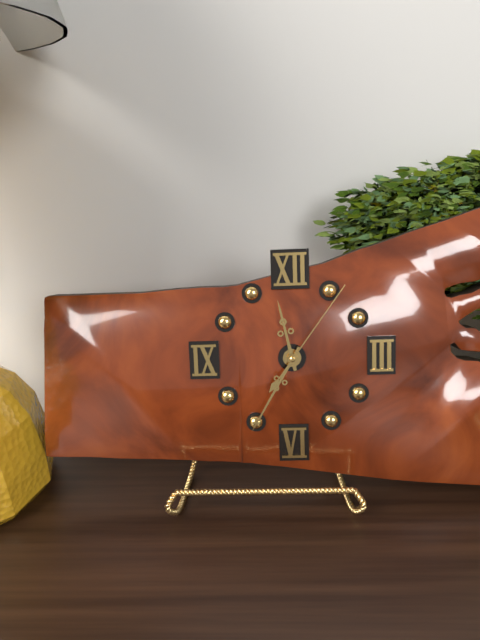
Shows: h=11 m=35 s=6
